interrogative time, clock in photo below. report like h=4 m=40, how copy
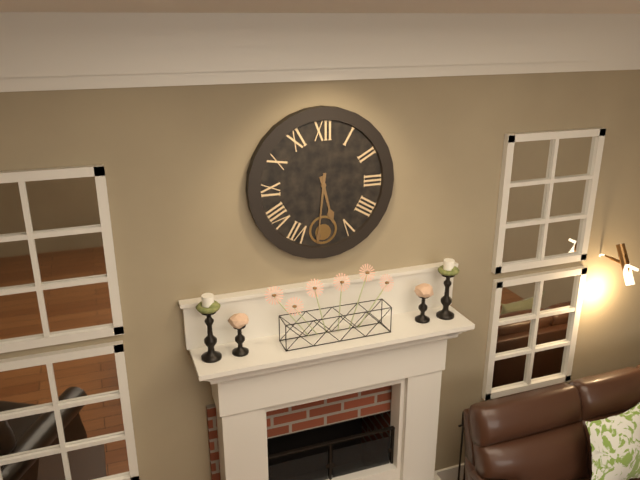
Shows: h=5 m=31
